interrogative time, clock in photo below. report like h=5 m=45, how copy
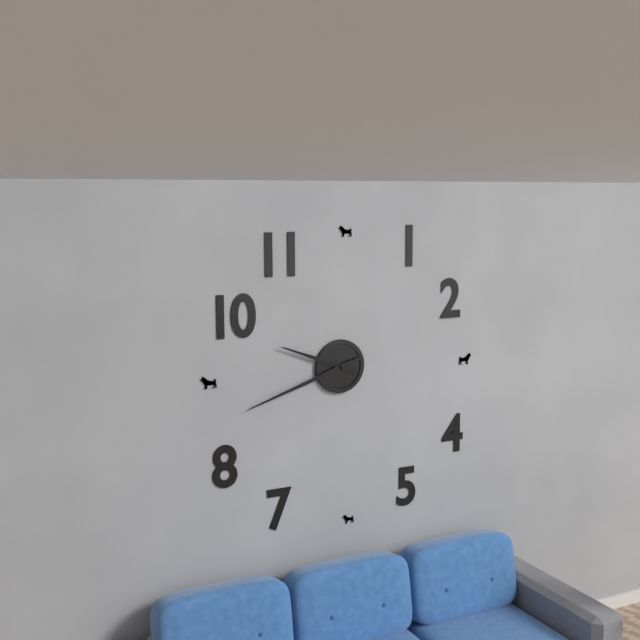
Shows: h=9 m=42
